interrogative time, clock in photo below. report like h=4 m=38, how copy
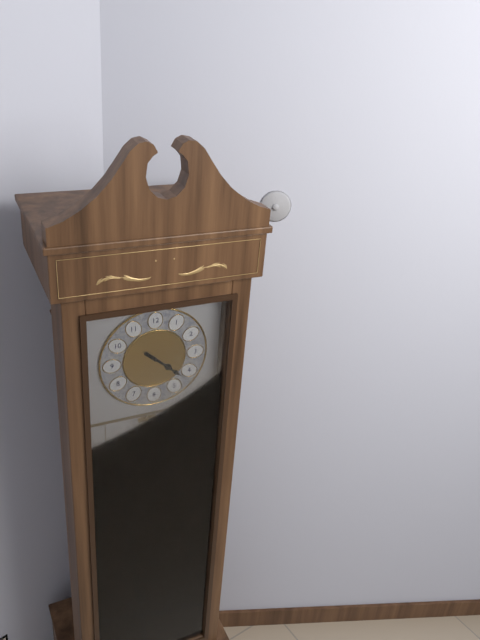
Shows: h=4 m=22
